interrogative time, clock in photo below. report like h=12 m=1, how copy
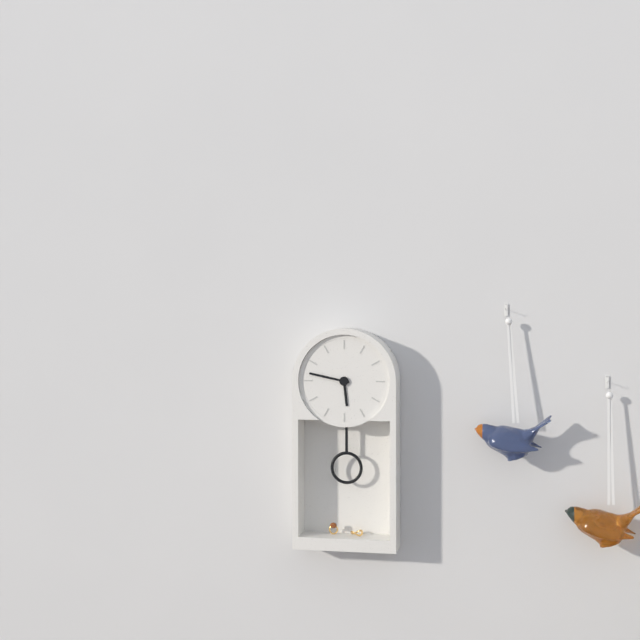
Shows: h=5 m=47
